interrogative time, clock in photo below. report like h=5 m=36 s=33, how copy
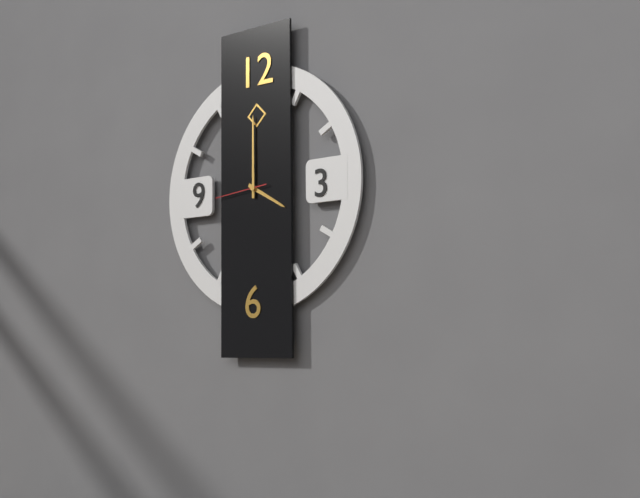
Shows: h=4 m=0 s=44
